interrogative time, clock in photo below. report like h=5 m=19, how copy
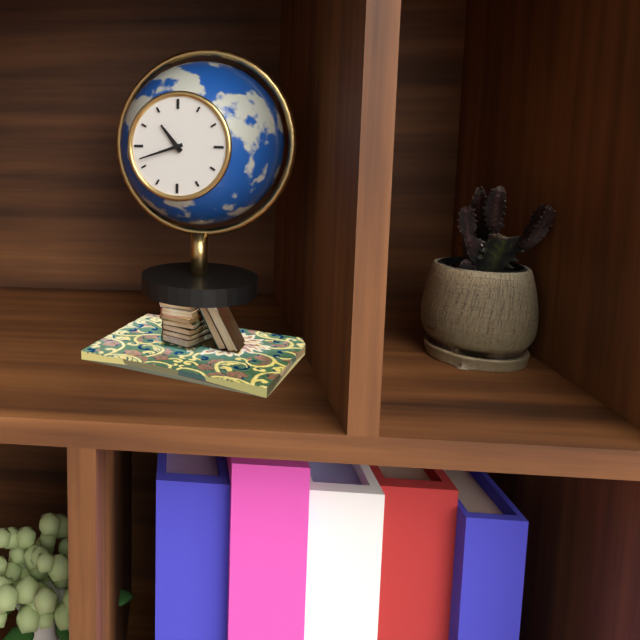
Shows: h=10 m=42
